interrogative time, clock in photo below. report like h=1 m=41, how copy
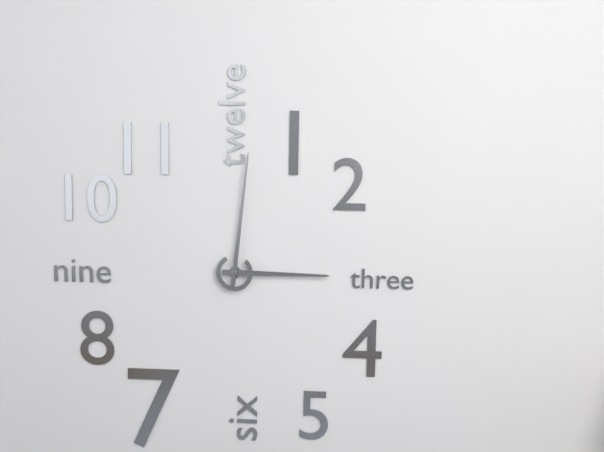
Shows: h=3 m=1
